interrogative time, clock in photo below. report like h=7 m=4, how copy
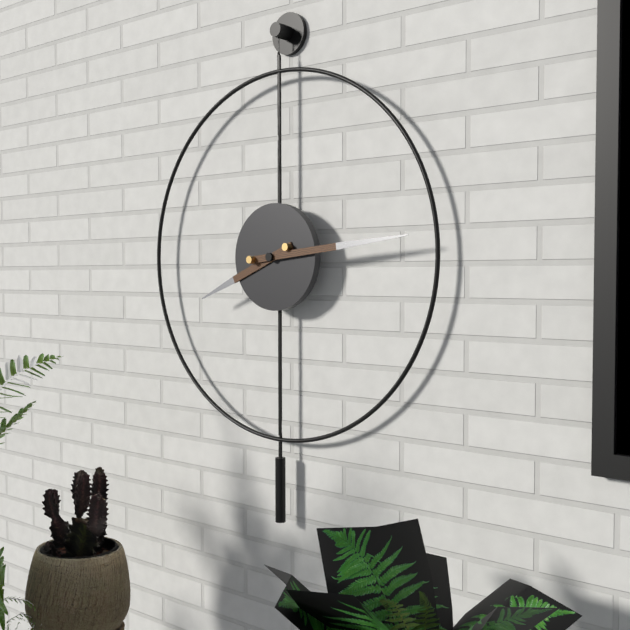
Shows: h=8 m=14
